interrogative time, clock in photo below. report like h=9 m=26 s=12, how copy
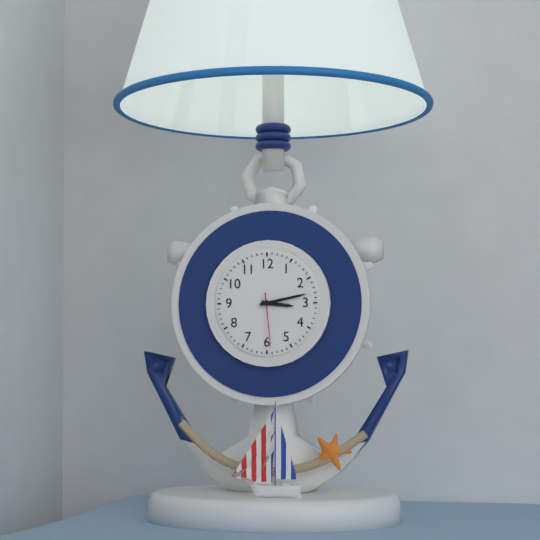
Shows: h=3 m=13 s=29
